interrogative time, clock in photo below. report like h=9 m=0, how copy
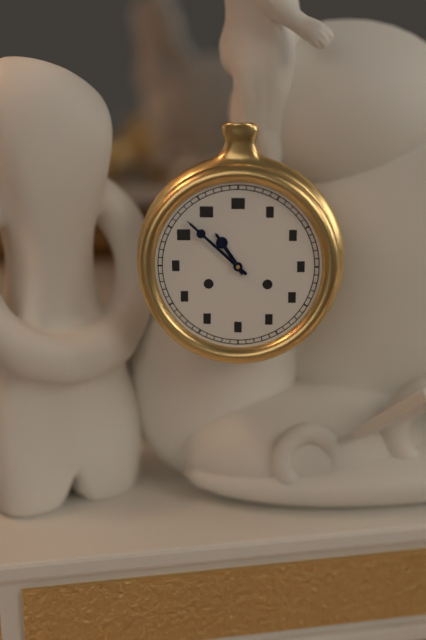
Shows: h=10 m=52
